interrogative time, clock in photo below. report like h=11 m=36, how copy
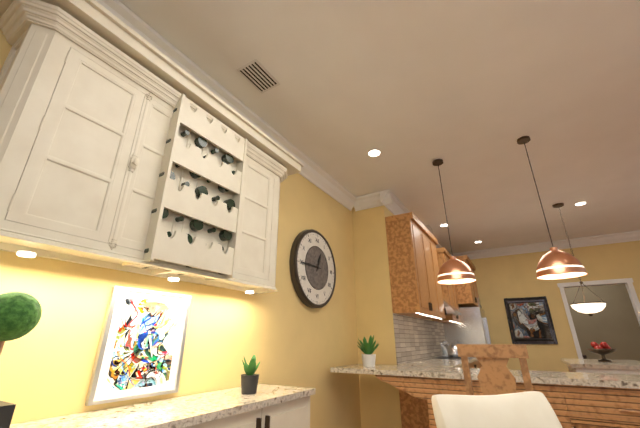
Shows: h=12 m=45
